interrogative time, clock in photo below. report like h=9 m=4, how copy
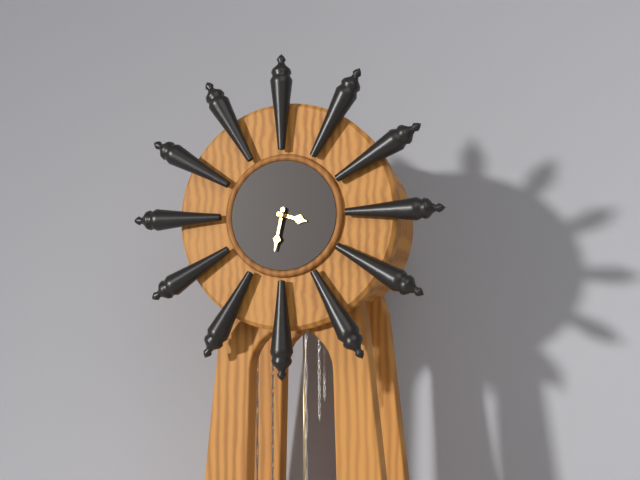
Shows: h=3 m=32
